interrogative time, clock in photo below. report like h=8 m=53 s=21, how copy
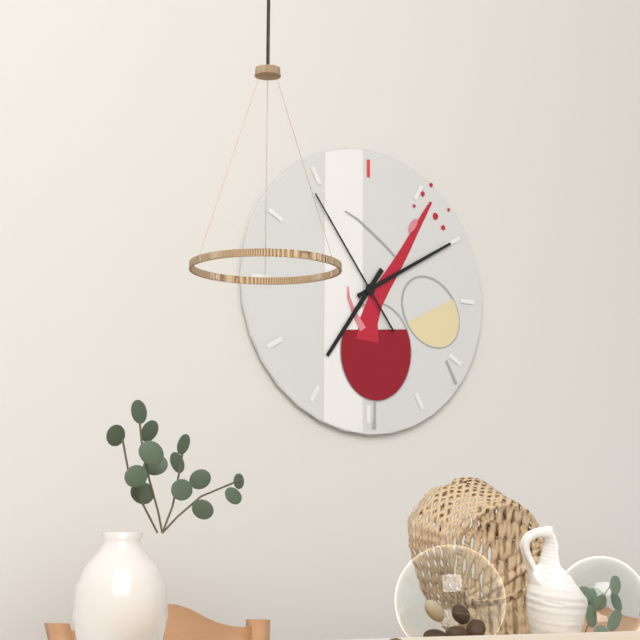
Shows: h=7 m=10 s=54
